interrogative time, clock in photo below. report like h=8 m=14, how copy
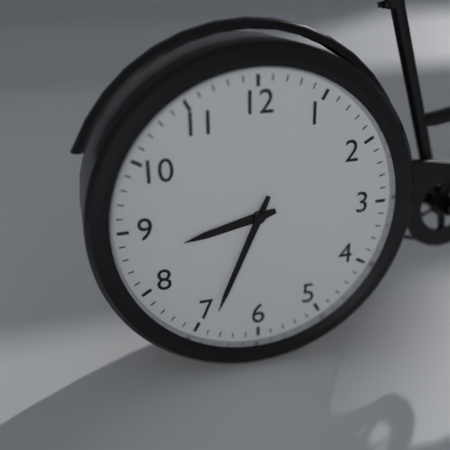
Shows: h=8 m=34
